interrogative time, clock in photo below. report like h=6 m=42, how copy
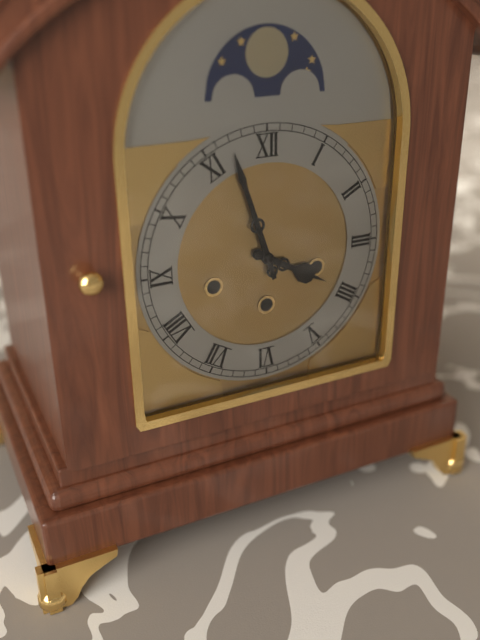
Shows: h=3 m=57
